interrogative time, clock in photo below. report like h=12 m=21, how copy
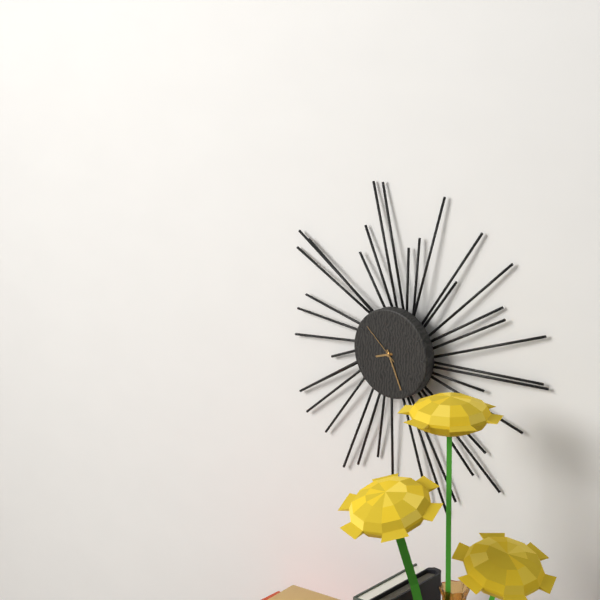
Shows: h=8 m=26
